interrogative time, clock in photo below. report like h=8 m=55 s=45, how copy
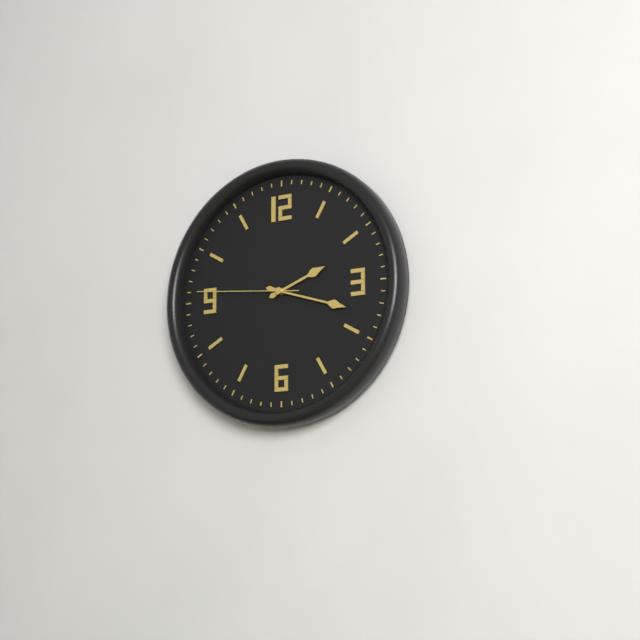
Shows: h=2 m=18 s=46
